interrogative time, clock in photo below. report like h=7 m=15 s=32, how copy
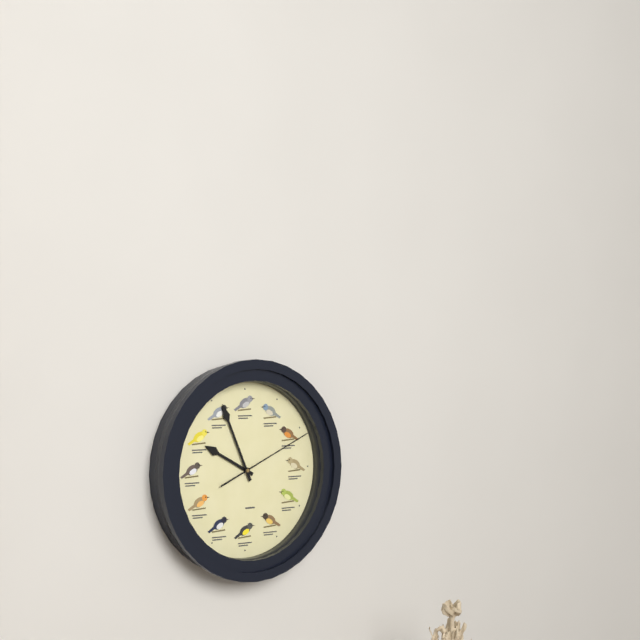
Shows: h=9 m=56 s=11
